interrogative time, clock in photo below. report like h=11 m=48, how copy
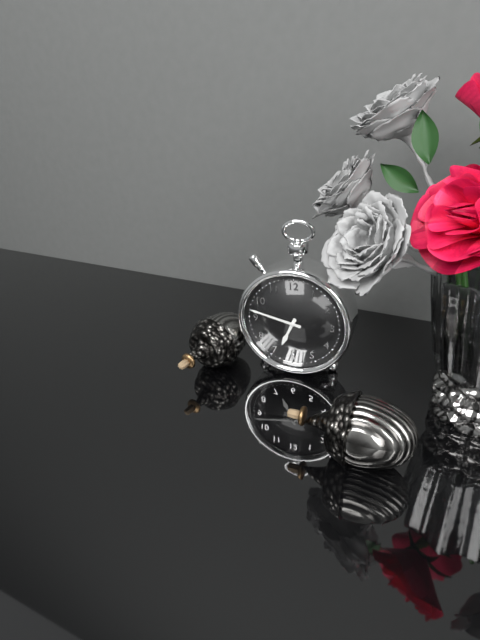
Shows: h=6 m=47
